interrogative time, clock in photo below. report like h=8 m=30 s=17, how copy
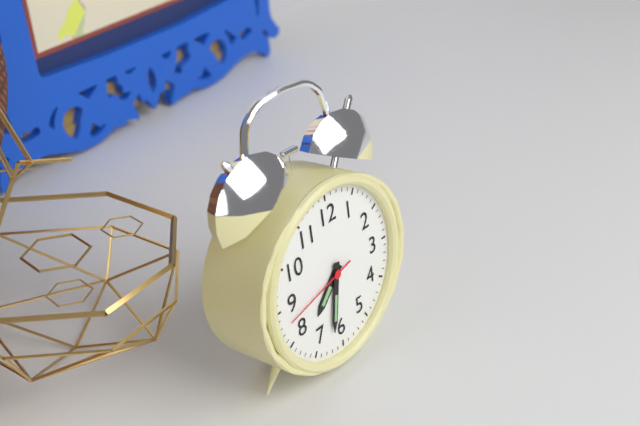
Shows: h=7 m=32 s=43
